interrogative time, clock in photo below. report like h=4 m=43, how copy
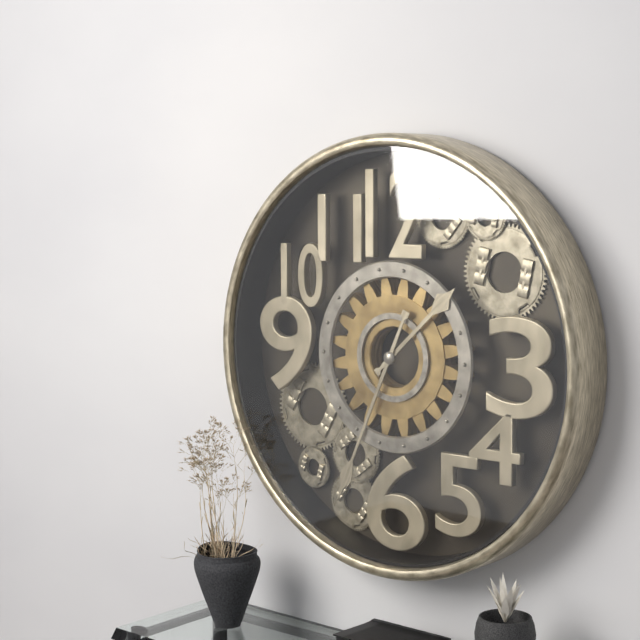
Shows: h=1 m=34
